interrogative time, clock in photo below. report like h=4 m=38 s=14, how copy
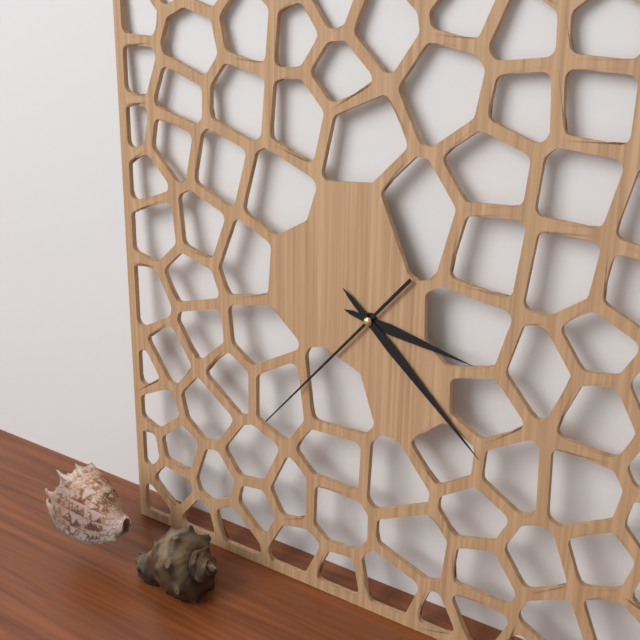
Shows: h=3 m=22 s=37
